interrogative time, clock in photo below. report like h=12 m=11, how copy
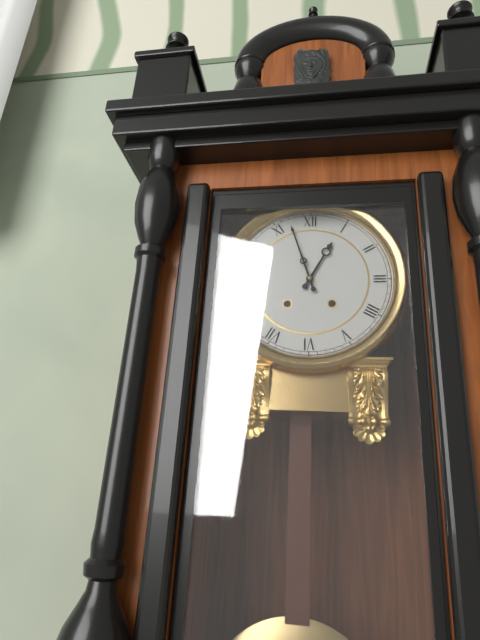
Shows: h=12 m=57
